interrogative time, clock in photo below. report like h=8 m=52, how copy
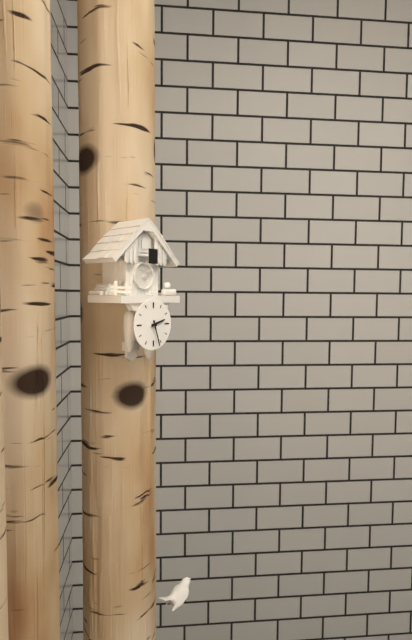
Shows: h=2 m=27
